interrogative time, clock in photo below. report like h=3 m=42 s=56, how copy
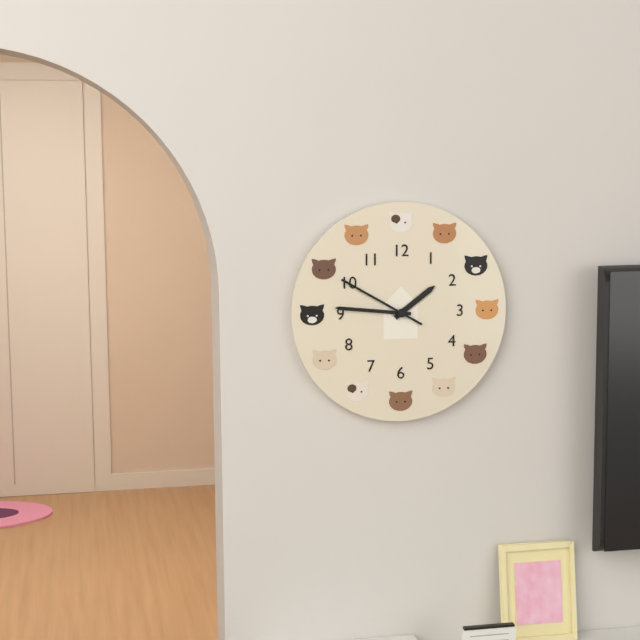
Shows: h=1 m=46 s=50
